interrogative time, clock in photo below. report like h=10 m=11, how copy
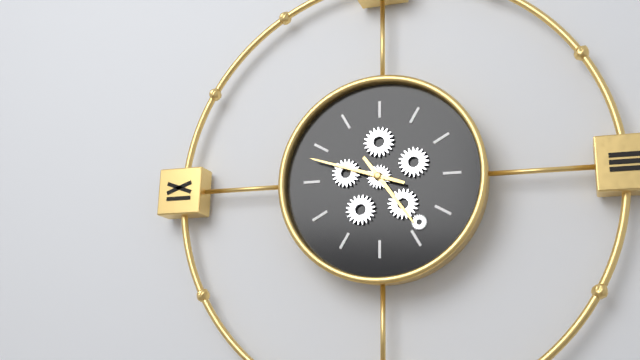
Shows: h=4 m=48
